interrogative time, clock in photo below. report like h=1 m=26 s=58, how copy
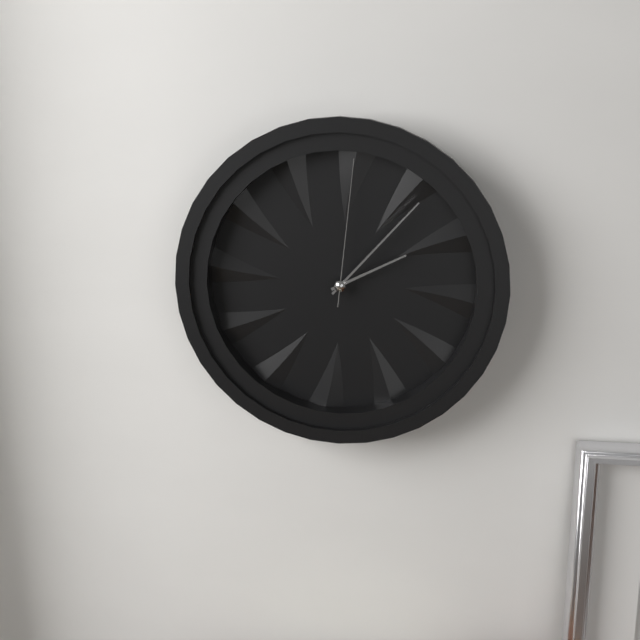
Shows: h=2 m=7 s=1
